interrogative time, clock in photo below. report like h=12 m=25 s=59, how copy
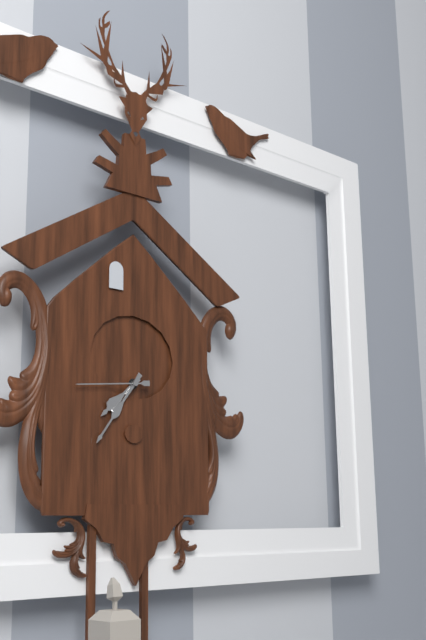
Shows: h=7 m=36 s=44
